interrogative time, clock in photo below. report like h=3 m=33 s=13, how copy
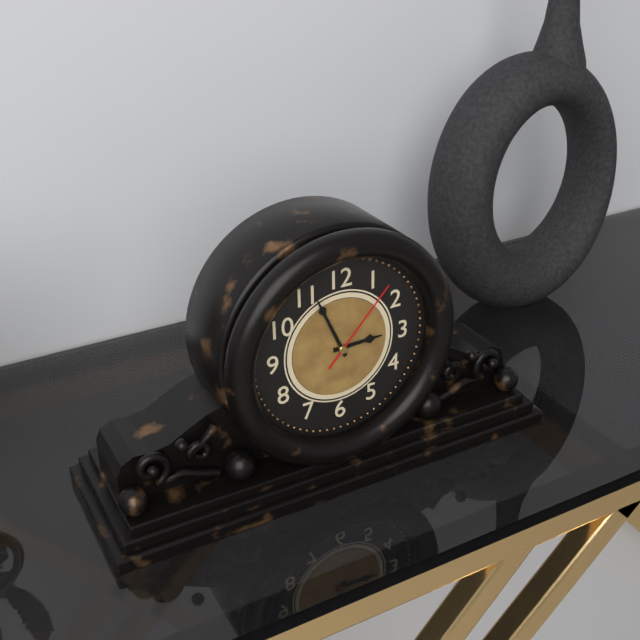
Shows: h=2 m=56 s=7
